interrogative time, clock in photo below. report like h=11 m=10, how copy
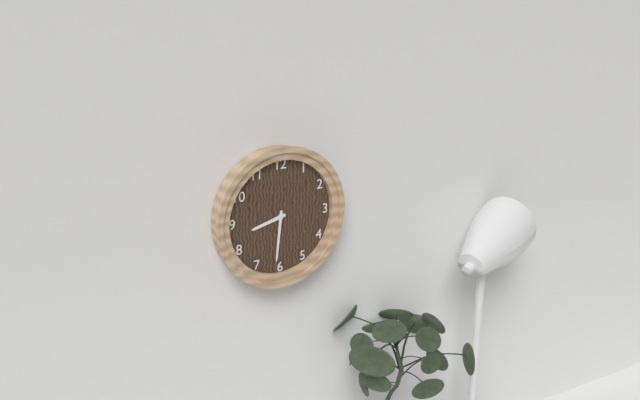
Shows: h=8 m=31
